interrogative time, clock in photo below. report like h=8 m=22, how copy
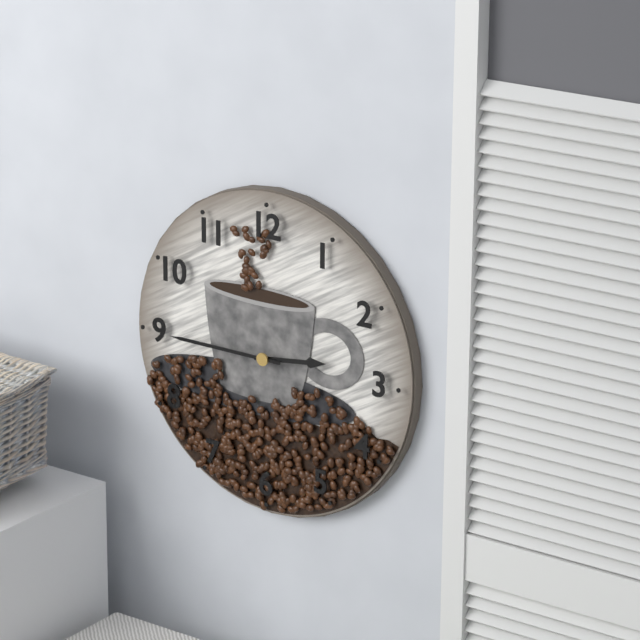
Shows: h=2 m=45
